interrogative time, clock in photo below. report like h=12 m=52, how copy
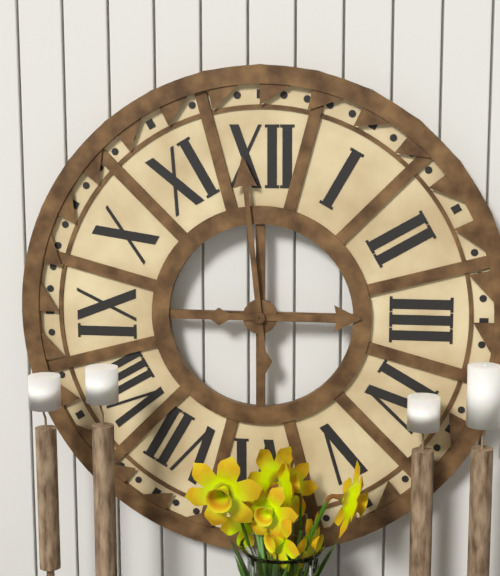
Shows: h=2 m=59
